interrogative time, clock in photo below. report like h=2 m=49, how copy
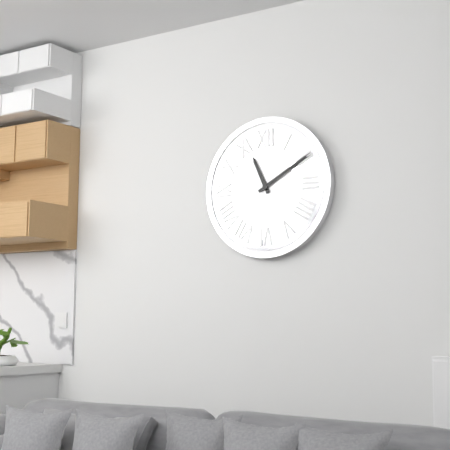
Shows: h=11 m=10
